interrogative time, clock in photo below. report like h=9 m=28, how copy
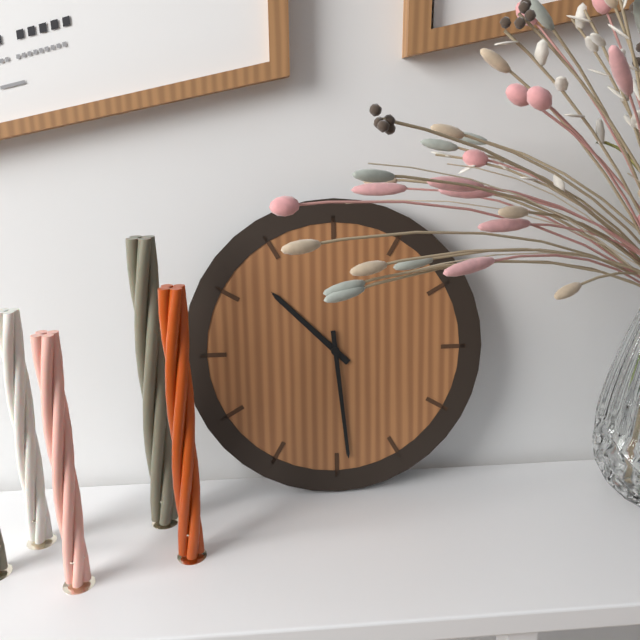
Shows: h=10 m=29
